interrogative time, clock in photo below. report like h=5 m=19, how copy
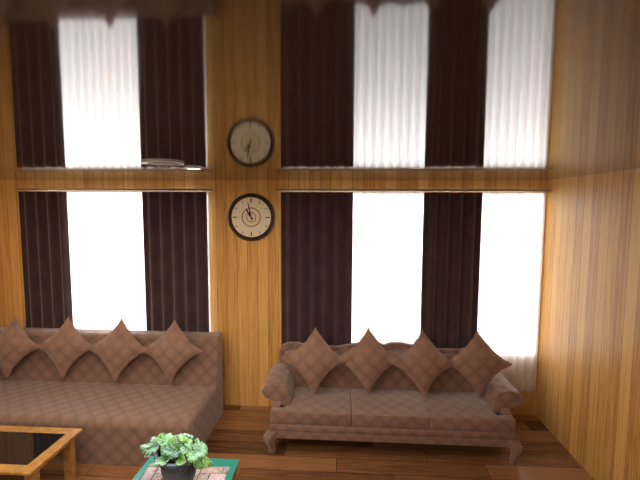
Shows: h=10 m=58
